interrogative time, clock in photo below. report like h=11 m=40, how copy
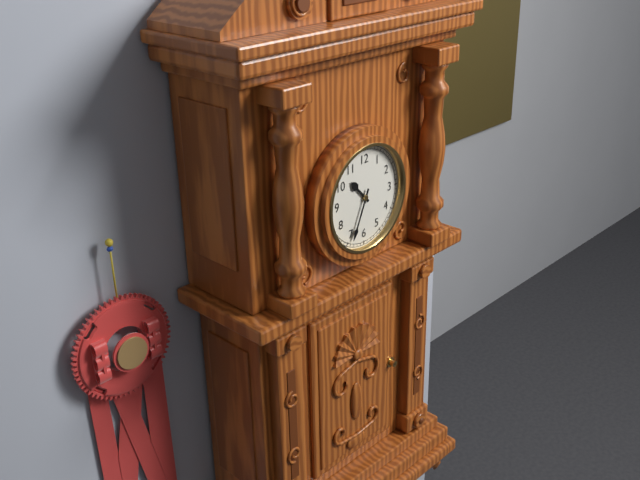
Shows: h=10 m=34
